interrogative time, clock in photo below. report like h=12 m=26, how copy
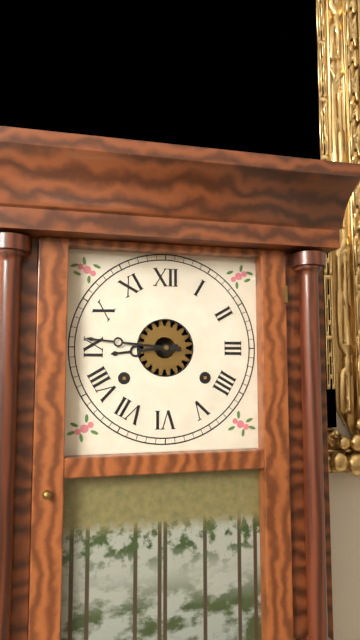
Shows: h=8 m=46
